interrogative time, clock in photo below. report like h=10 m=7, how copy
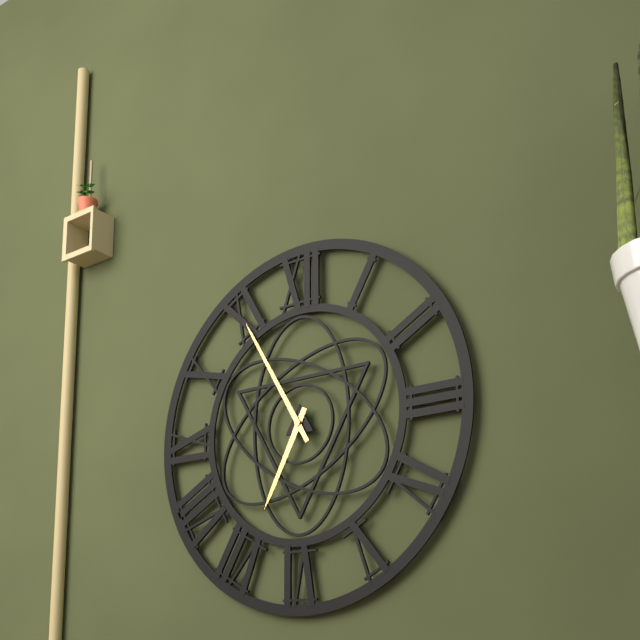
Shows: h=6 m=55
